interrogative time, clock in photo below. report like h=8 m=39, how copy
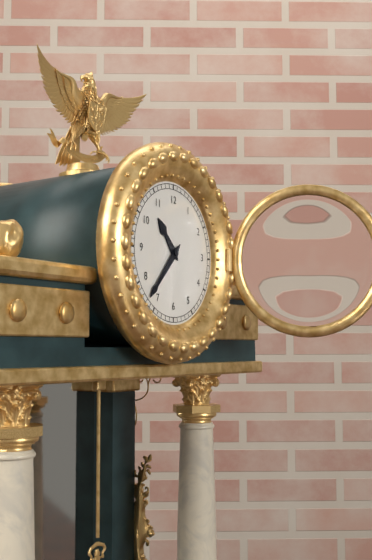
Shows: h=10 m=37
